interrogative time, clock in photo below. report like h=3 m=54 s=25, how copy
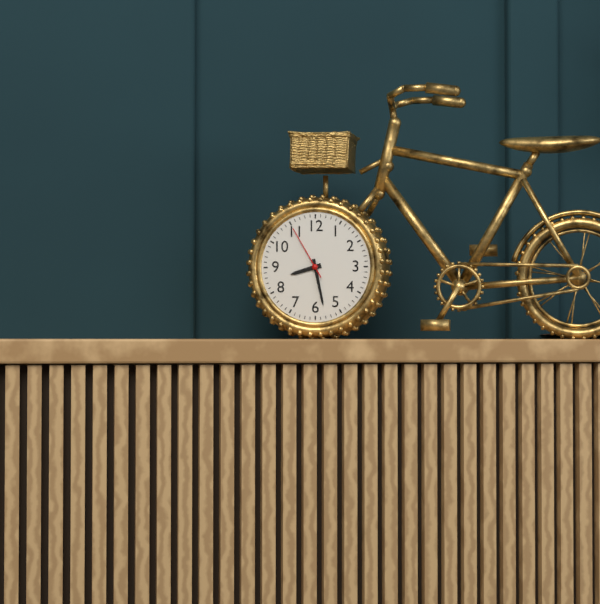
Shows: h=8 m=28 s=55
